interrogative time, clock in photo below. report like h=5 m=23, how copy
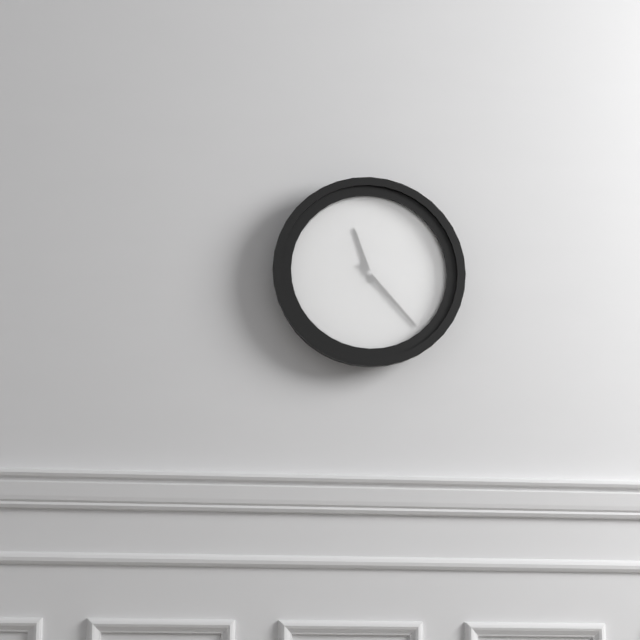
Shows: h=11 m=23
